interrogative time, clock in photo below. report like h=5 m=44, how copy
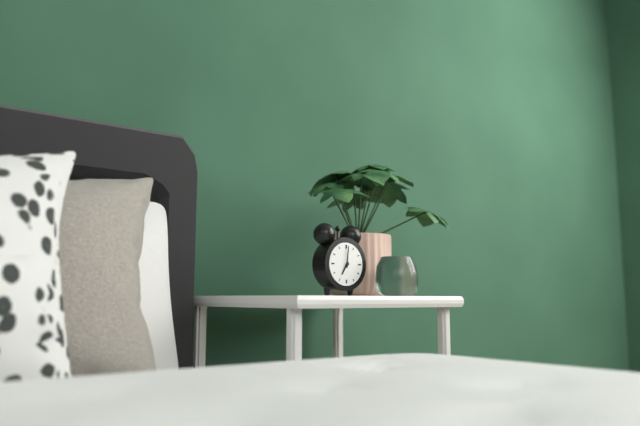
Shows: h=7 m=1
